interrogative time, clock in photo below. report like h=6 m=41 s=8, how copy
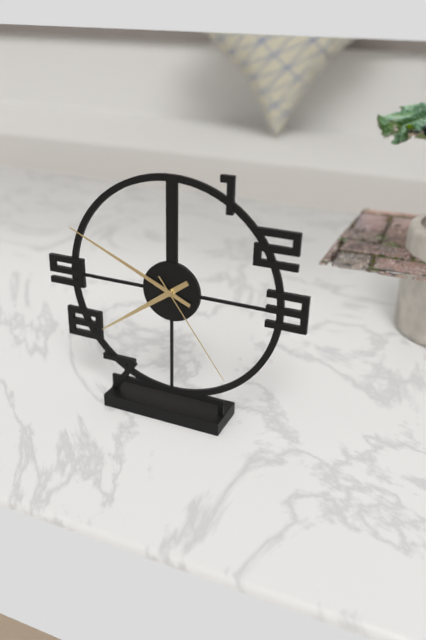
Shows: h=7 m=49 s=24
